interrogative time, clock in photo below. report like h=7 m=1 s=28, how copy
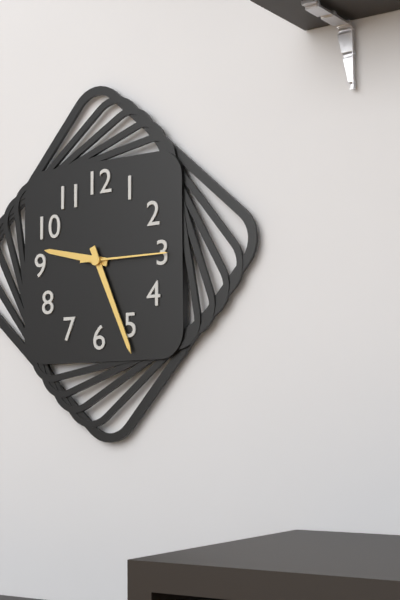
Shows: h=9 m=26 s=15
